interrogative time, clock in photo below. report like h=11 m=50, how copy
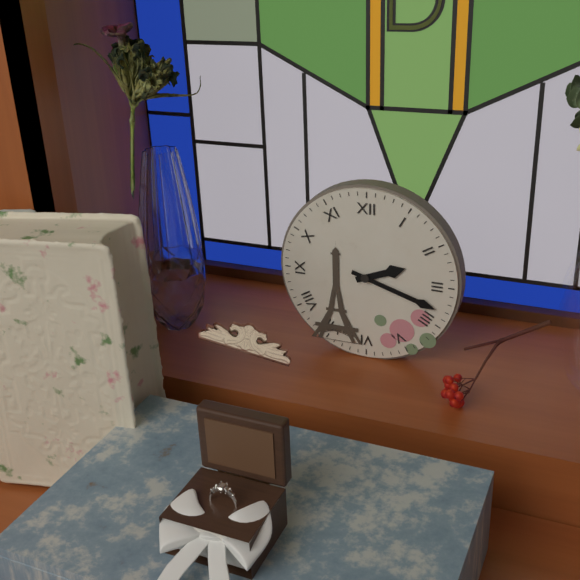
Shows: h=2 m=18
